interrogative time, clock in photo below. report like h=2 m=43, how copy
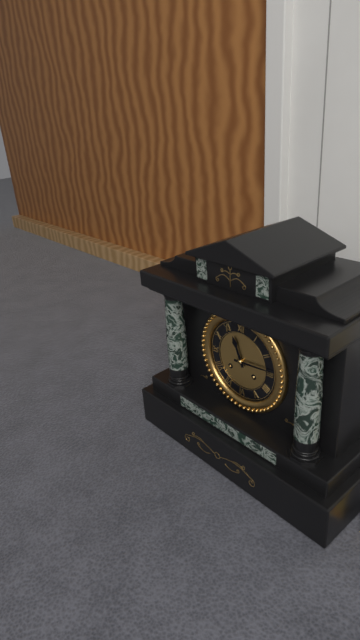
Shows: h=11 m=14
